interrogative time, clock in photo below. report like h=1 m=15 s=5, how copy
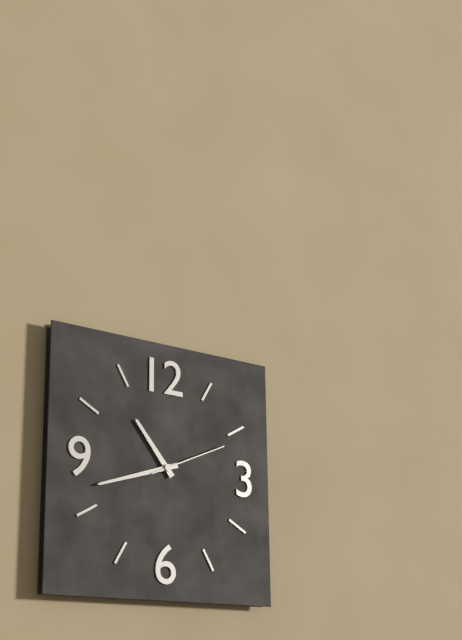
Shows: h=10 m=42 s=11
